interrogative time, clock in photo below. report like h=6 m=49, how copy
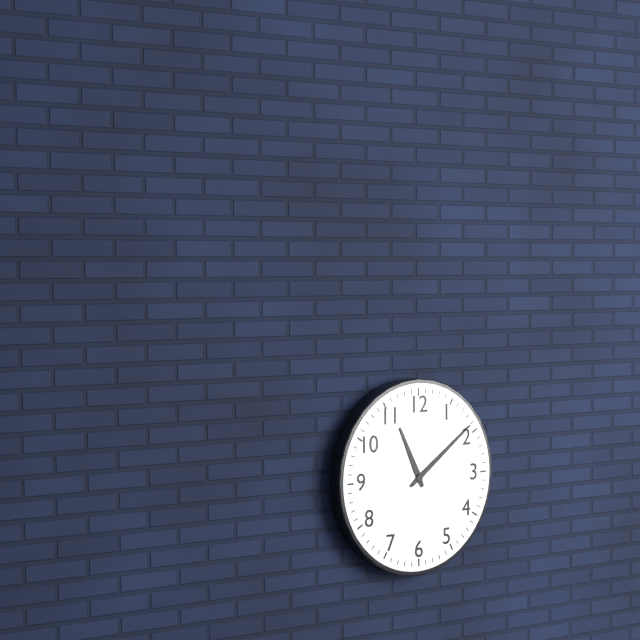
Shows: h=11 m=9
